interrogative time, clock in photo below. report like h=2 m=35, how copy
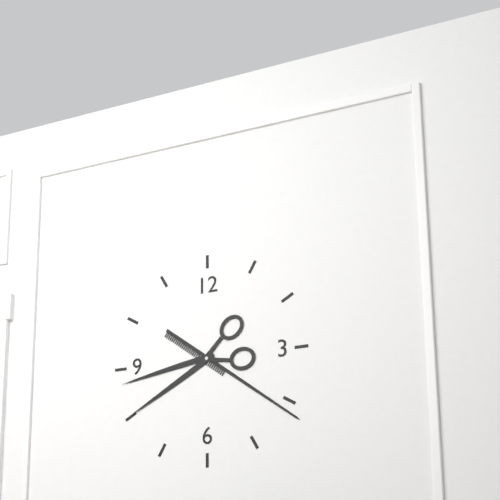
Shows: h=8 m=21
